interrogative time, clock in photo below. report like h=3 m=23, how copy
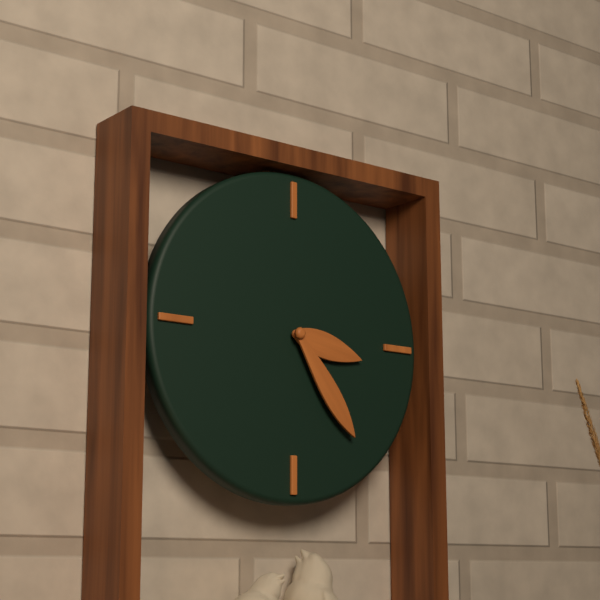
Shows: h=3 m=24
